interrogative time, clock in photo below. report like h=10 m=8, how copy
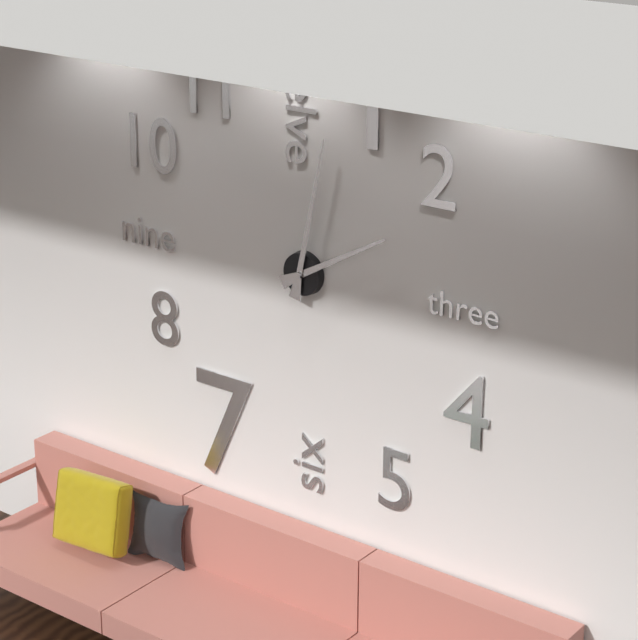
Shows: h=2 m=2
